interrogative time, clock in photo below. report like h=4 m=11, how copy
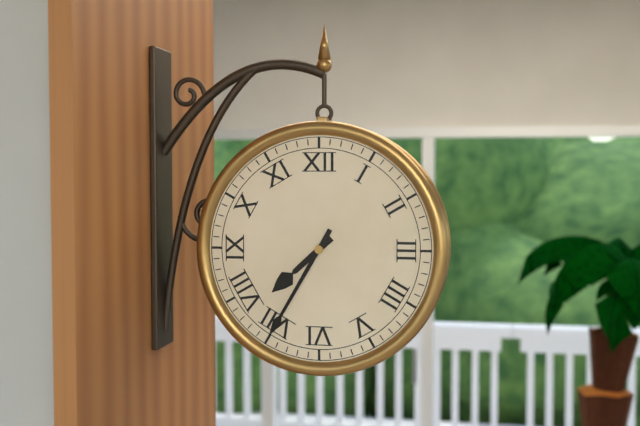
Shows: h=7 m=35
